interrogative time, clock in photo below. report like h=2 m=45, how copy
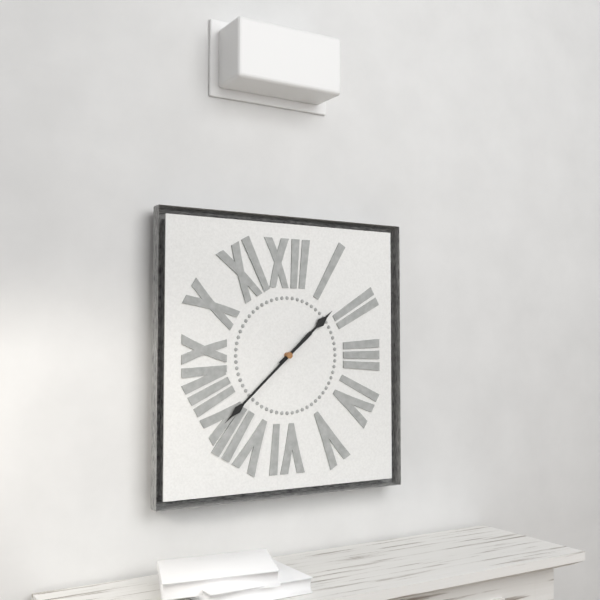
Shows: h=1 m=38
